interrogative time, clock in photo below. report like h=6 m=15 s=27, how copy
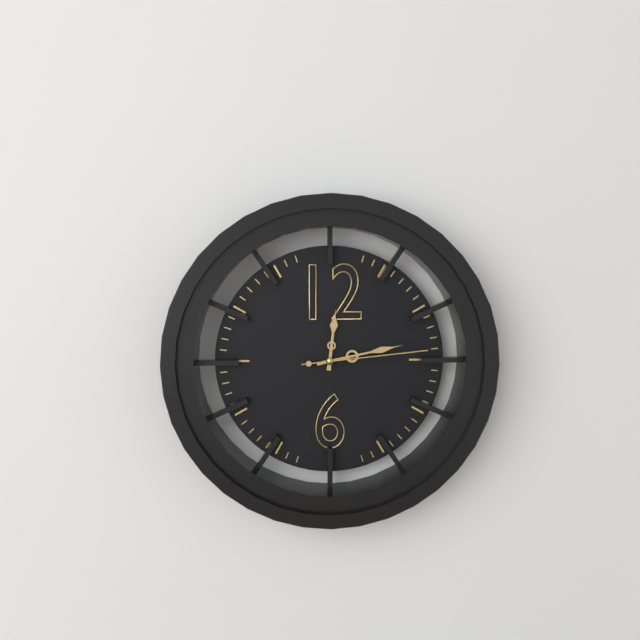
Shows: h=12 m=13 s=14
